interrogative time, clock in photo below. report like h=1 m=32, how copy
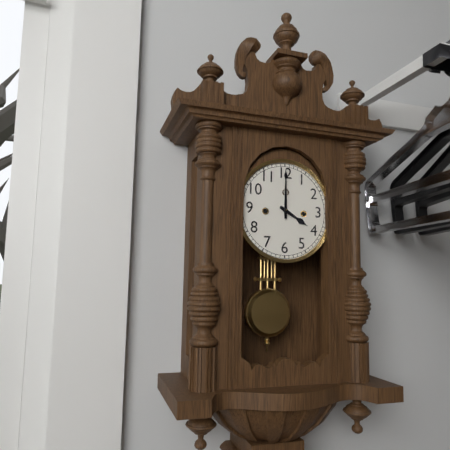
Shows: h=4 m=0
